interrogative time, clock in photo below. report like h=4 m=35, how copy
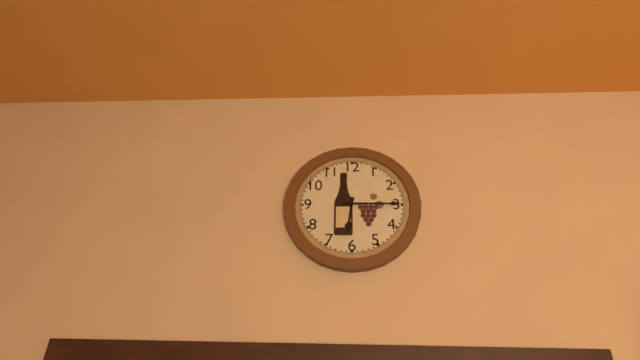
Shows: h=6 m=15
